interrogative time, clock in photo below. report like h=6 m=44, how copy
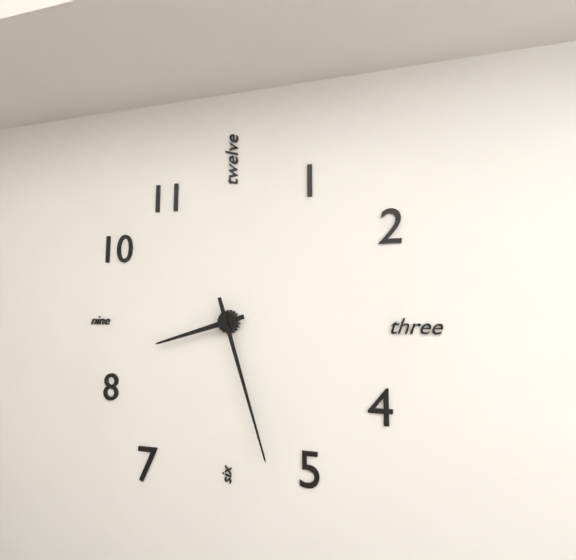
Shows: h=8 m=27
